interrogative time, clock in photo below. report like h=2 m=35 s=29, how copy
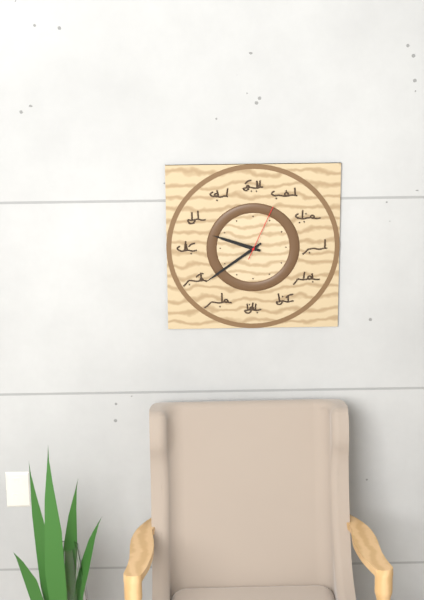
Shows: h=9 m=39 s=4
